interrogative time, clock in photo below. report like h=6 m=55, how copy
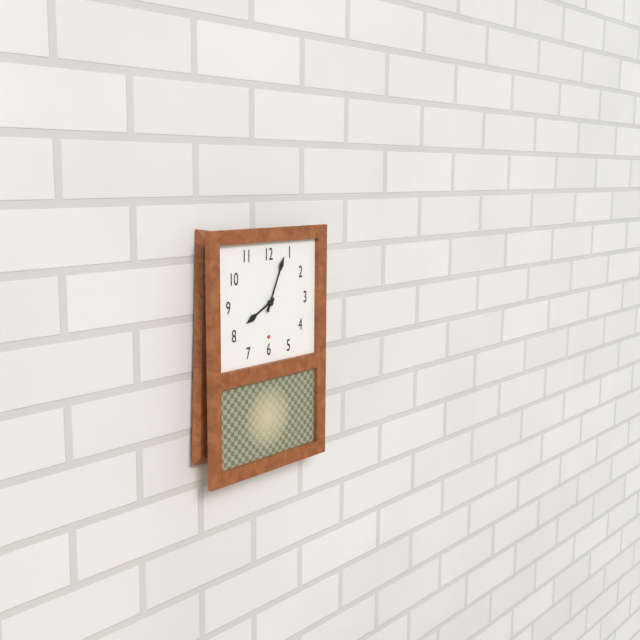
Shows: h=8 m=4
